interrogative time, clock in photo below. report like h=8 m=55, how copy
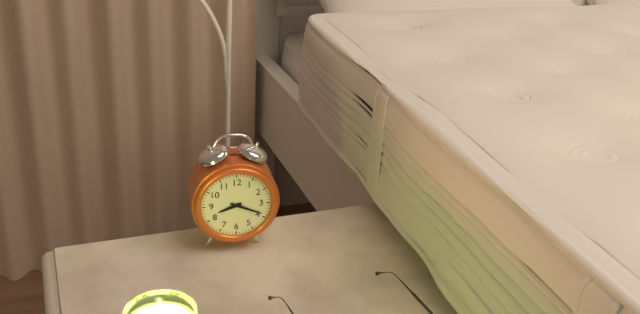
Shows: h=8 m=19
